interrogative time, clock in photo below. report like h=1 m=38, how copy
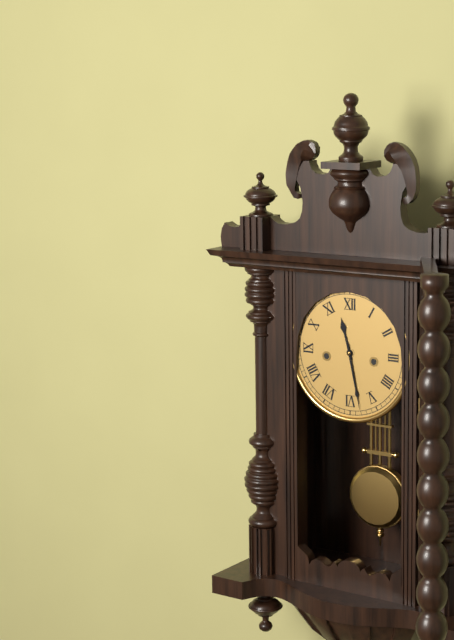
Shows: h=11 m=28
